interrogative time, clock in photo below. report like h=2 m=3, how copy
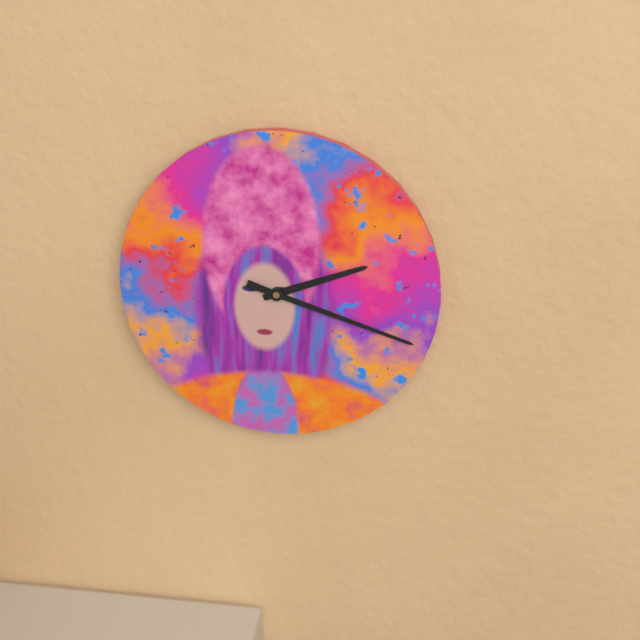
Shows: h=2 m=18
